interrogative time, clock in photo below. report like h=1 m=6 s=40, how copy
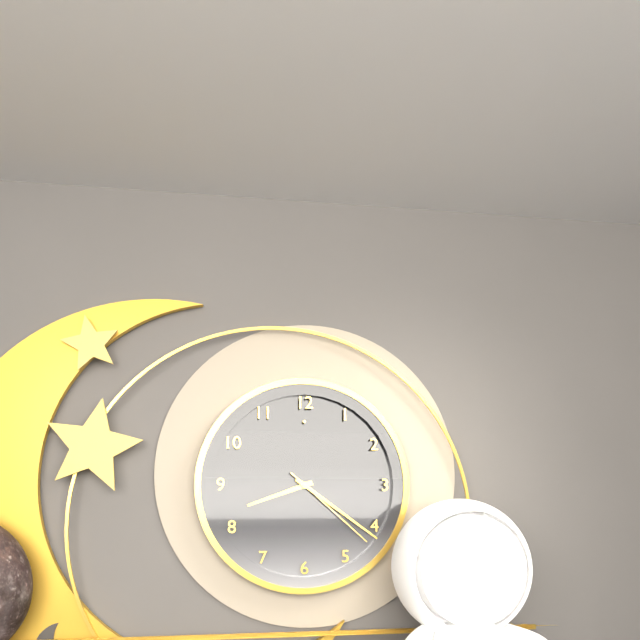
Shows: h=8 m=21 s=22
